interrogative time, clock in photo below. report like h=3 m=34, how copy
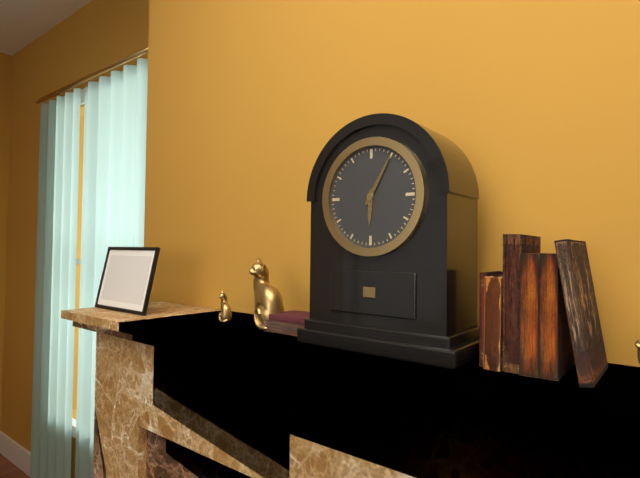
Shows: h=6 m=5
